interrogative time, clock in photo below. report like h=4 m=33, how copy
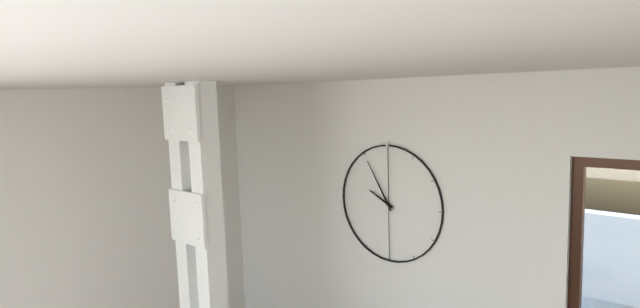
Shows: h=9 m=55
